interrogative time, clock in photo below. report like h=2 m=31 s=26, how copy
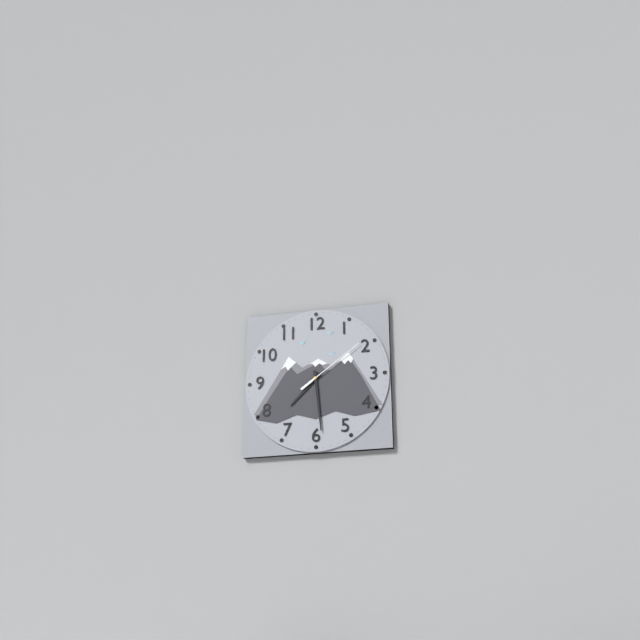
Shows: h=7 m=29 s=9
